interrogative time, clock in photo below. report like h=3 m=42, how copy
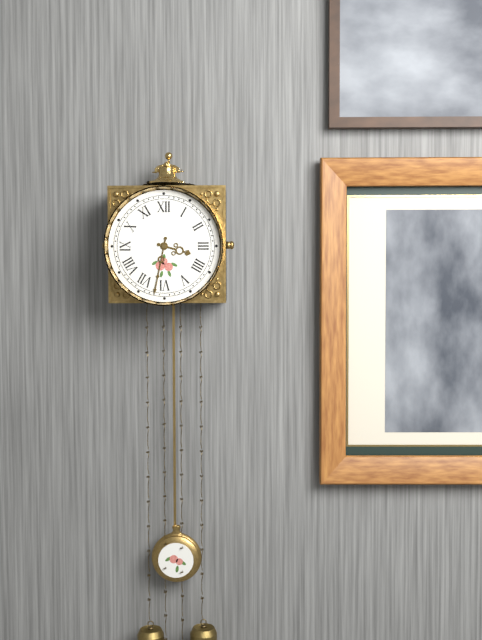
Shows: h=3 m=32
